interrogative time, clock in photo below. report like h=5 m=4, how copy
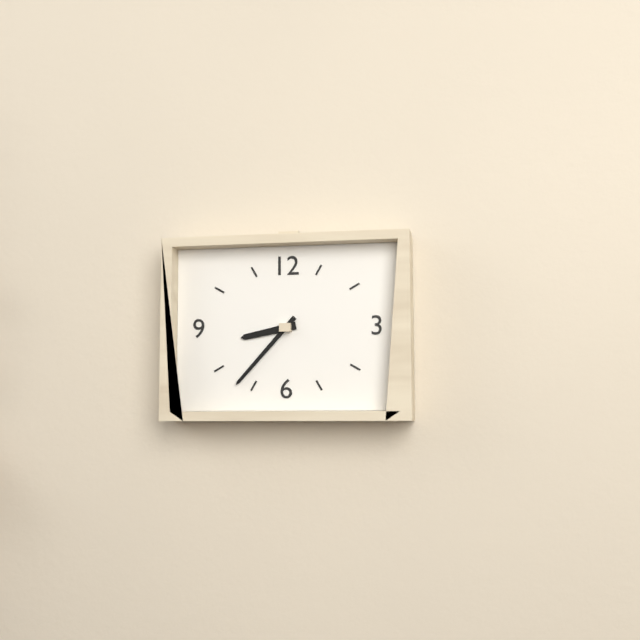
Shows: h=8 m=37
